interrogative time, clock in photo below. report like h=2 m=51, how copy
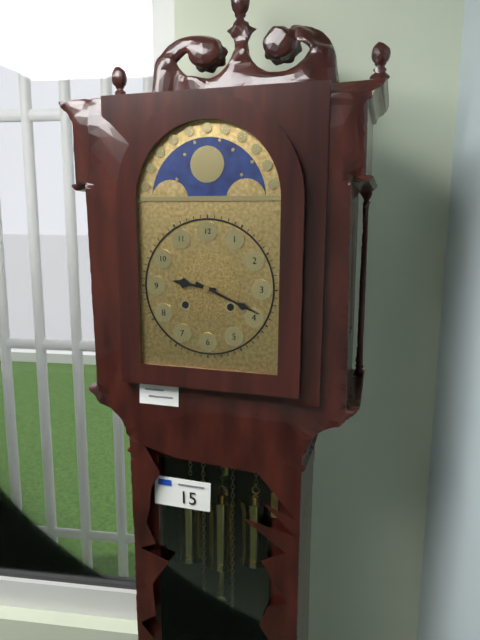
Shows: h=9 m=19
